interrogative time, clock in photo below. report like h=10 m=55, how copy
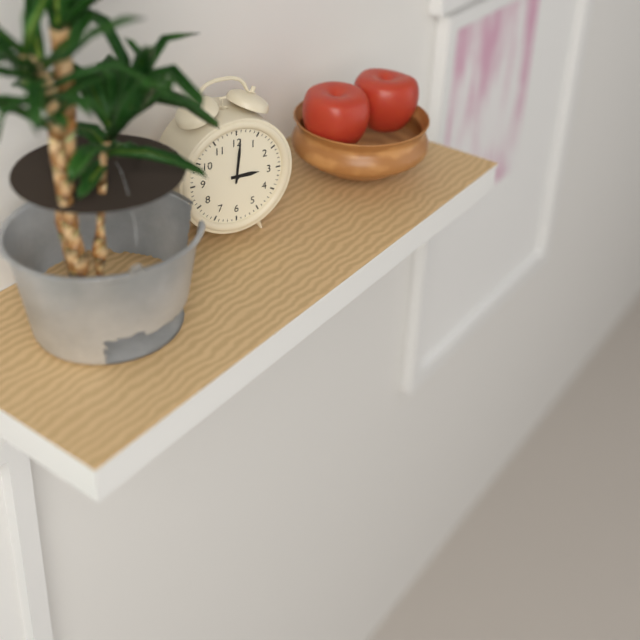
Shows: h=3 m=1
